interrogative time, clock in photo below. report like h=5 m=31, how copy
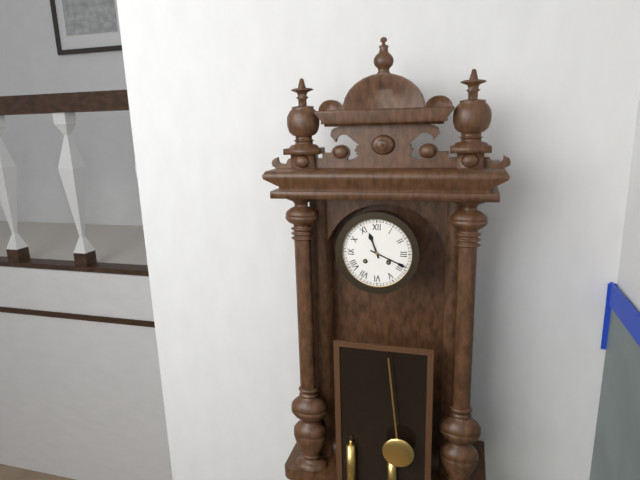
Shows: h=11 m=19
